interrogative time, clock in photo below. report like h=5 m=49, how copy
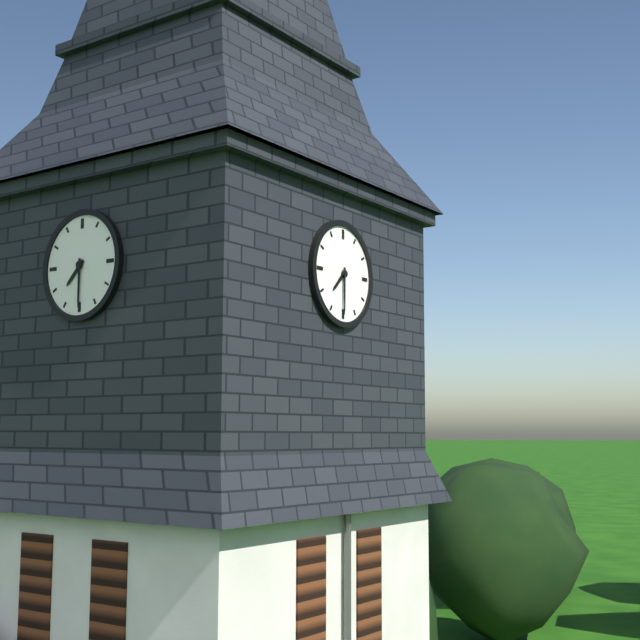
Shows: h=7 m=30
